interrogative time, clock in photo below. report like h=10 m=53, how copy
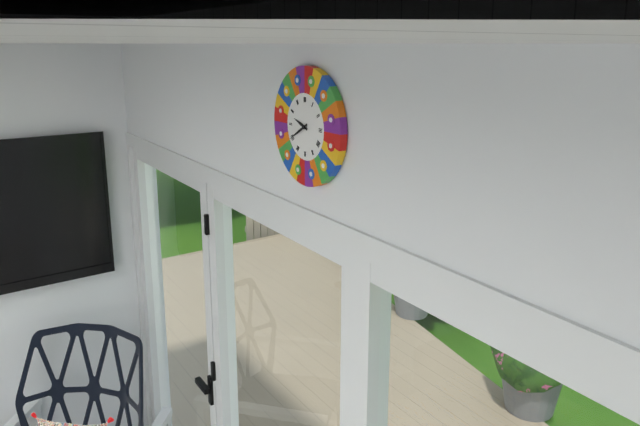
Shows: h=9 m=40
